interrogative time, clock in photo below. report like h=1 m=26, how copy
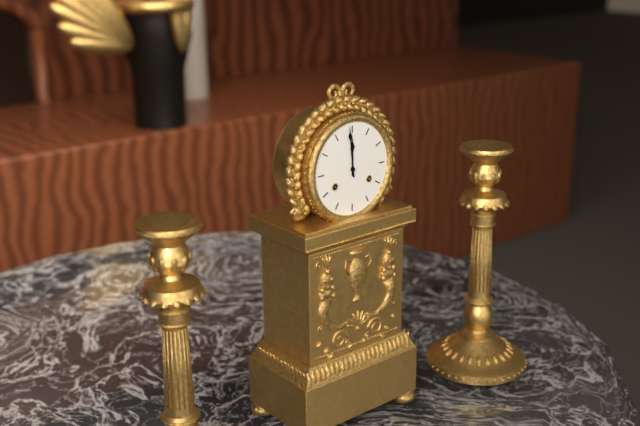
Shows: h=11 m=59
